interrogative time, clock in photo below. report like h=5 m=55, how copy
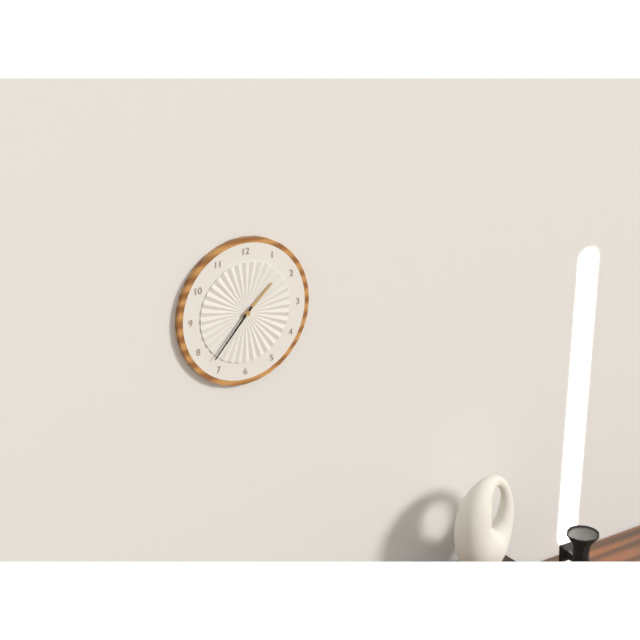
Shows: h=1 m=37
